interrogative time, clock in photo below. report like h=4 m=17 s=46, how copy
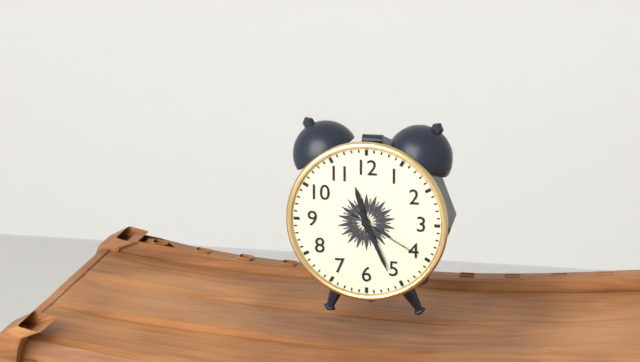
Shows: h=11 m=26 s=20
